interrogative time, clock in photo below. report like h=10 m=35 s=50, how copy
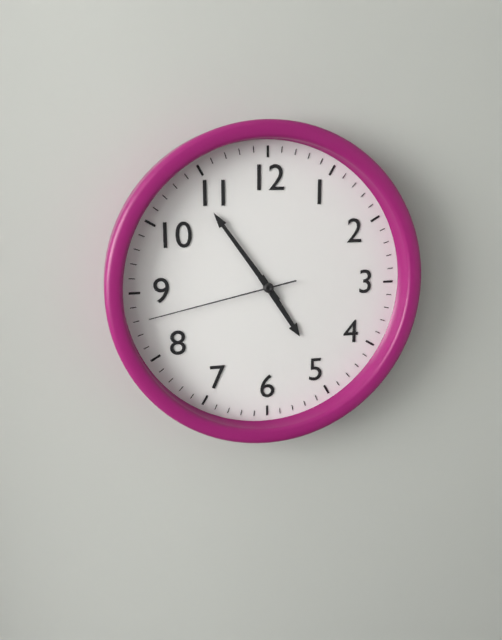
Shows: h=4 m=54 s=43
